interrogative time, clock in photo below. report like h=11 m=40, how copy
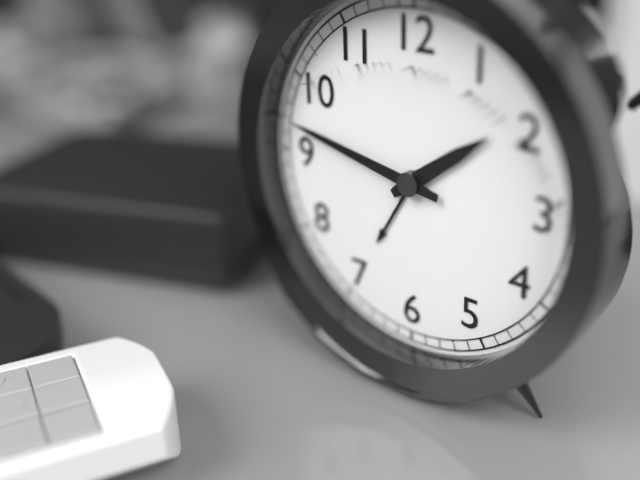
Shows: h=1 m=47
